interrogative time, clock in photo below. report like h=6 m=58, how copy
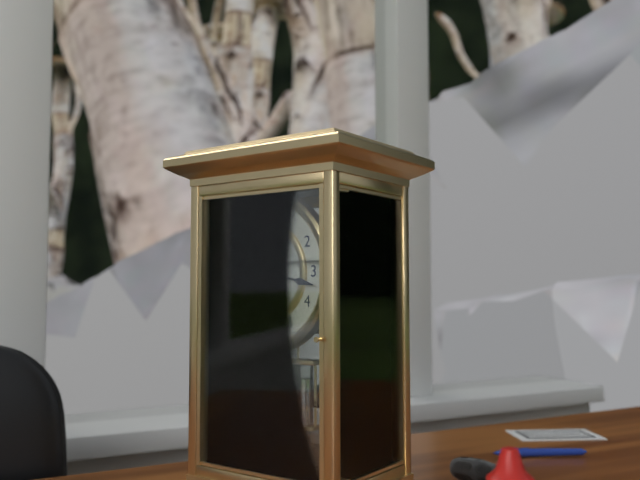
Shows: h=9 m=17
